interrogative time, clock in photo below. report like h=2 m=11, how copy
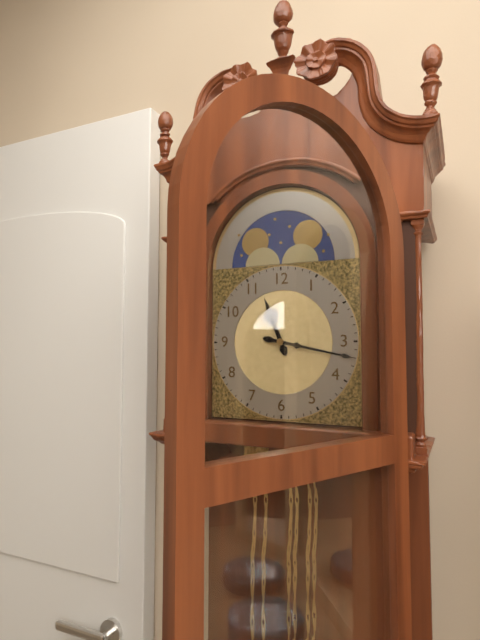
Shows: h=11 m=17
